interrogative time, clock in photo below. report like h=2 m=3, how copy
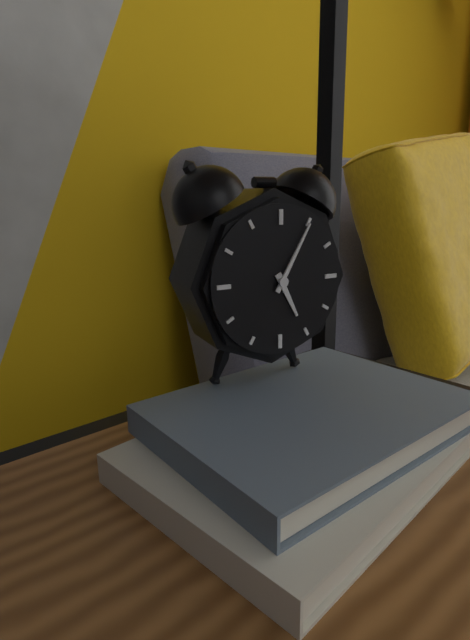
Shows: h=5 m=5
